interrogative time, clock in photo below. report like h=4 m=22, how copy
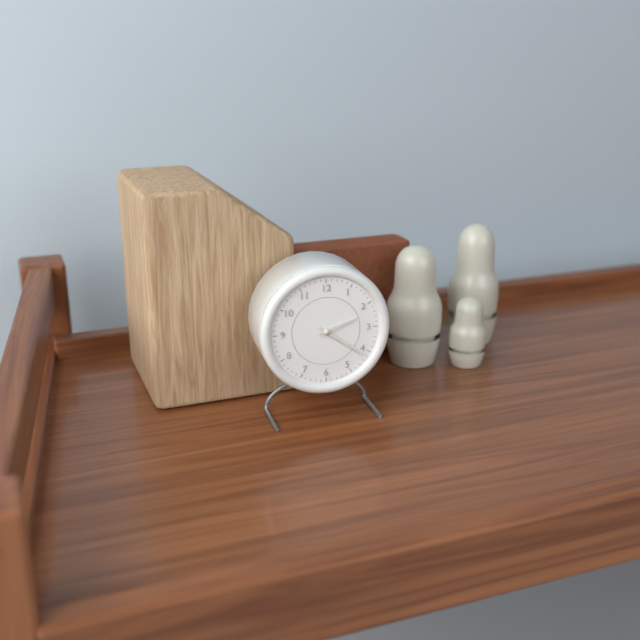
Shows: h=2 m=21
